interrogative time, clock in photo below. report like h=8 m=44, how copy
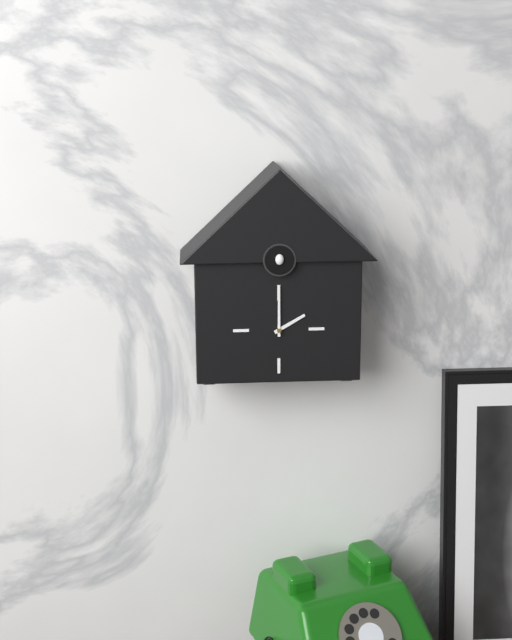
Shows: h=2 m=0
